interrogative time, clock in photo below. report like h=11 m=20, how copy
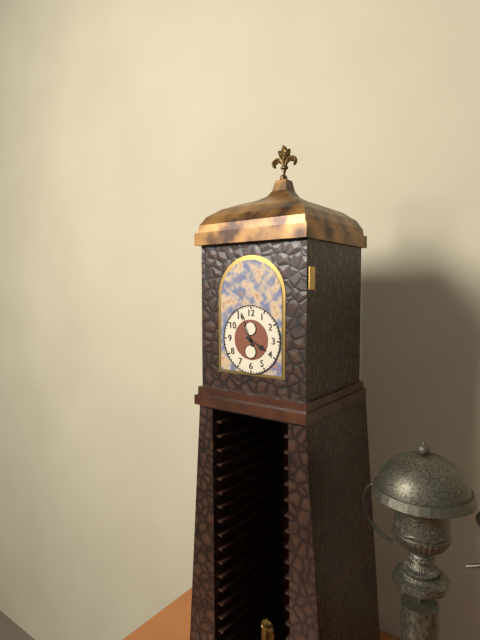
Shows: h=3 m=56
